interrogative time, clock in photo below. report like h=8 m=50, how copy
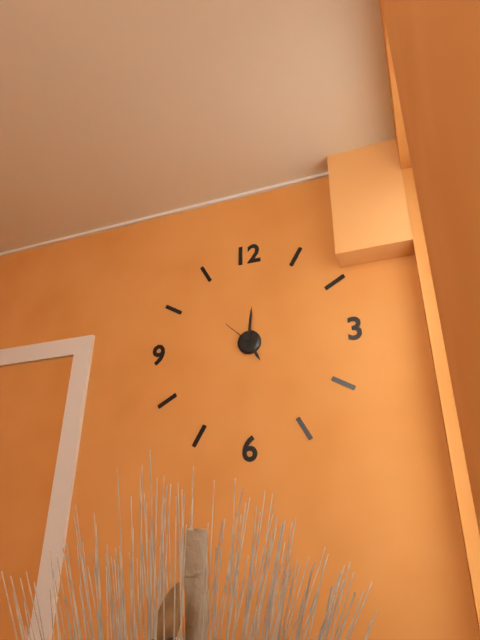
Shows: h=5 m=1
